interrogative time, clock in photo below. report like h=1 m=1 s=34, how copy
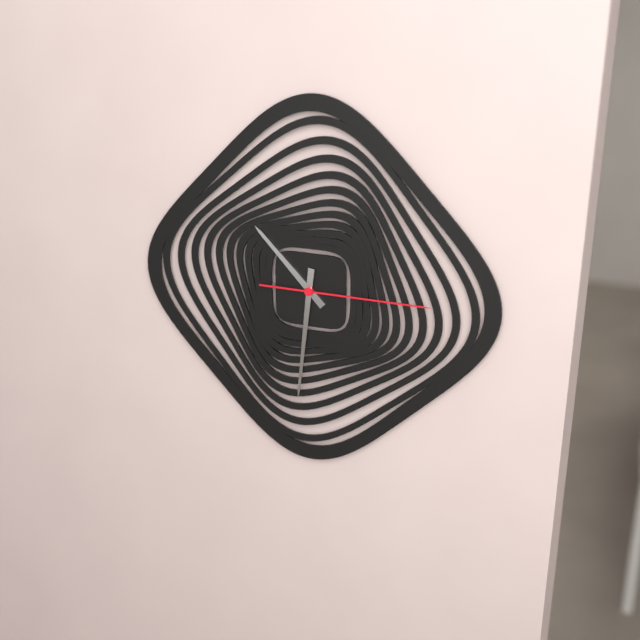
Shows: h=10 m=31 s=15
